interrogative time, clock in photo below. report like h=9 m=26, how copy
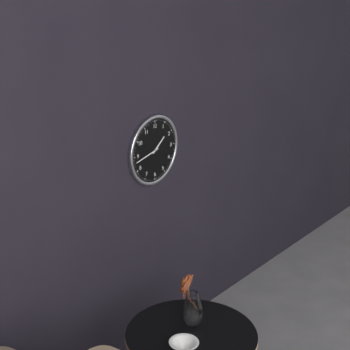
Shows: h=1 m=43
